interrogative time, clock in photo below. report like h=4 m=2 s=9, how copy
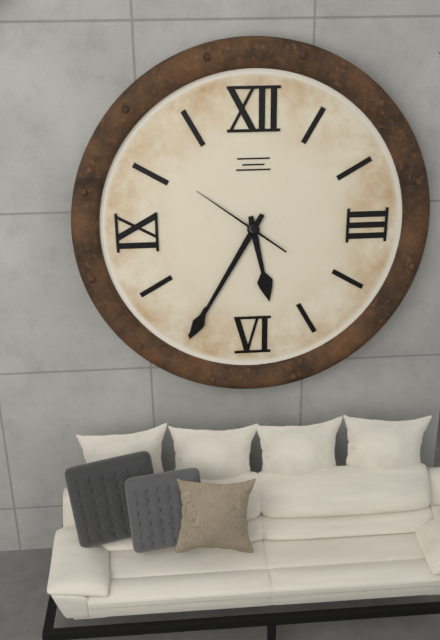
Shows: h=5 m=35 s=51
